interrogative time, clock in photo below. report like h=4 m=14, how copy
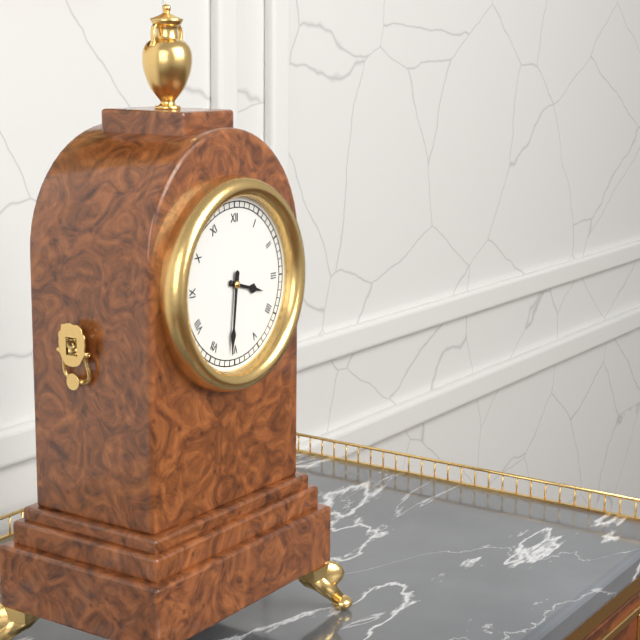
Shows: h=3 m=31
